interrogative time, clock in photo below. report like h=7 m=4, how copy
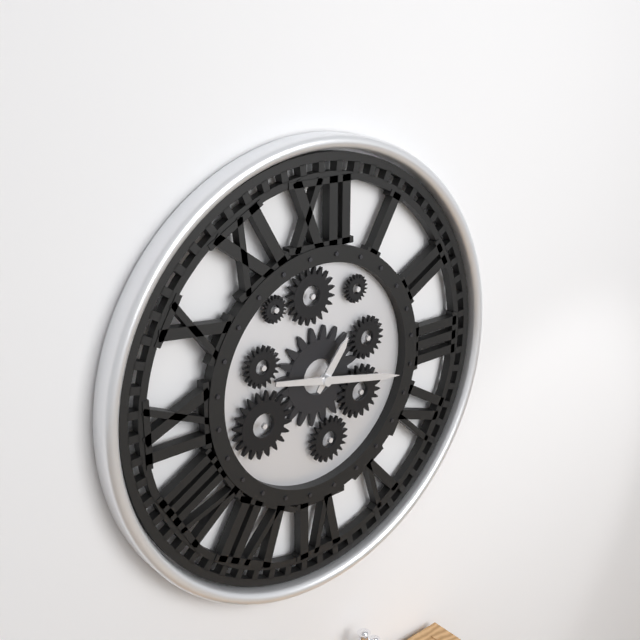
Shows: h=1 m=17
